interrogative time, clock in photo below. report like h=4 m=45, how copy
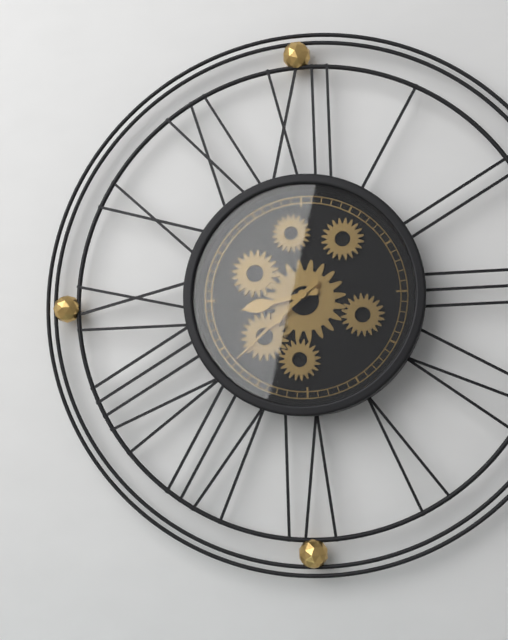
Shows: h=8 m=38
